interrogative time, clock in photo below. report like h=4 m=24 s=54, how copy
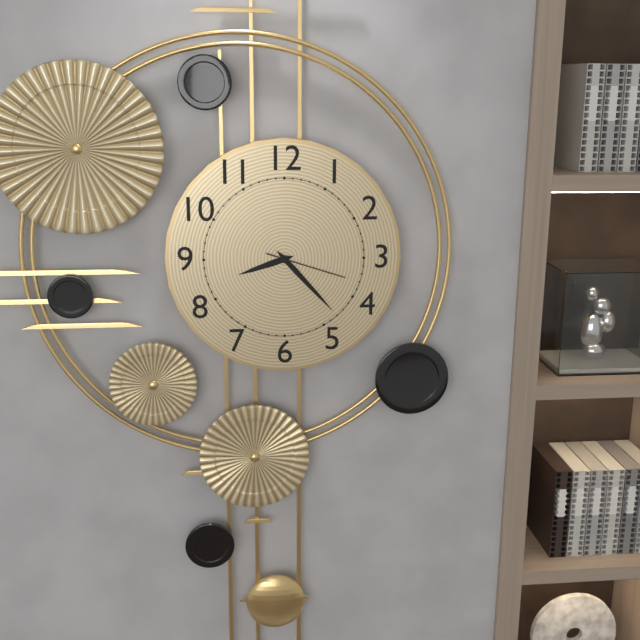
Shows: h=8 m=23 s=18
